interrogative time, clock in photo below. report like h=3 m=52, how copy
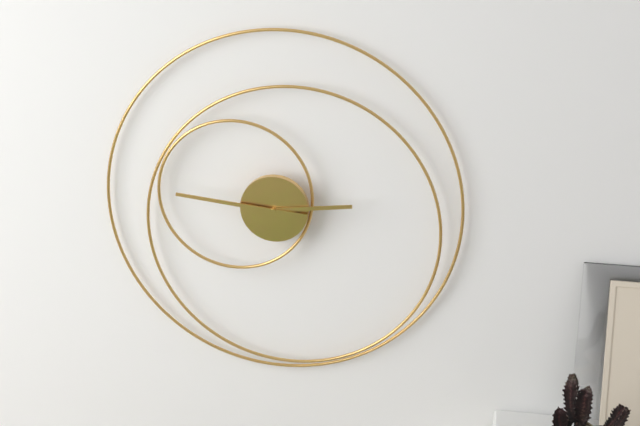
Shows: h=2 m=46
